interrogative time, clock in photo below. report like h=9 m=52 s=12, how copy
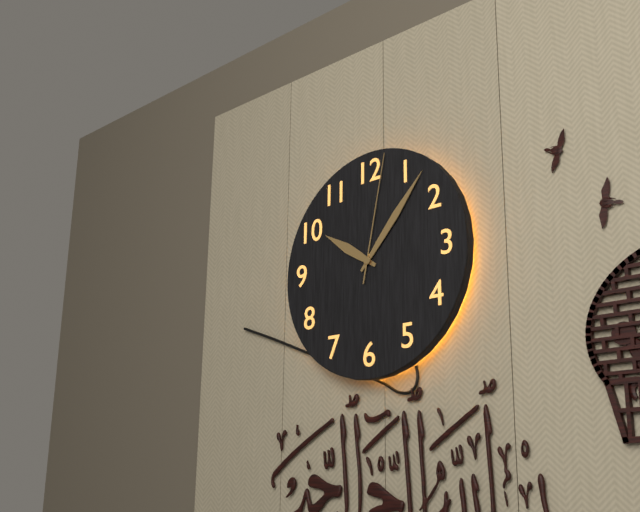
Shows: h=10 m=7 s=2
